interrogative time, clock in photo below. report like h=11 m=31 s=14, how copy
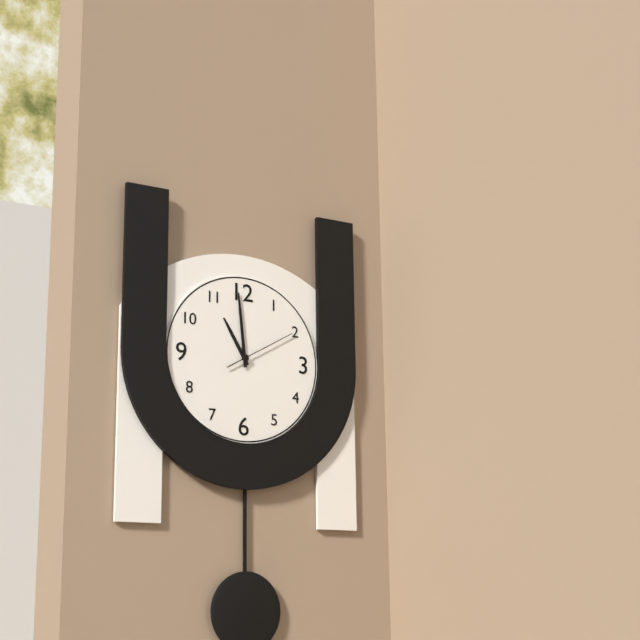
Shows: h=10 m=59 s=10
